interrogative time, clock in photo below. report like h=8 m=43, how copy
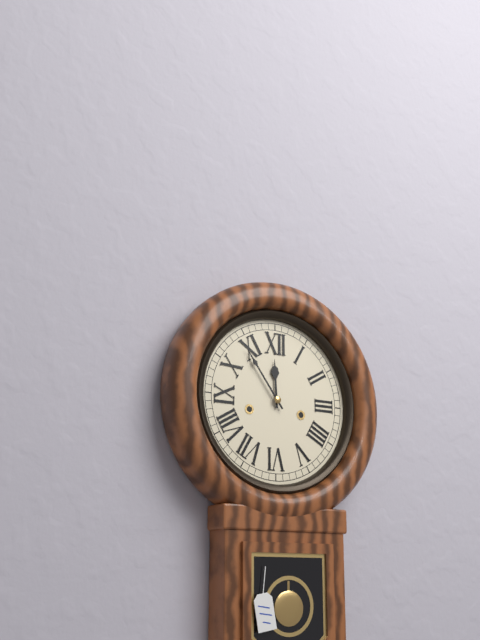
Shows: h=11 m=54
